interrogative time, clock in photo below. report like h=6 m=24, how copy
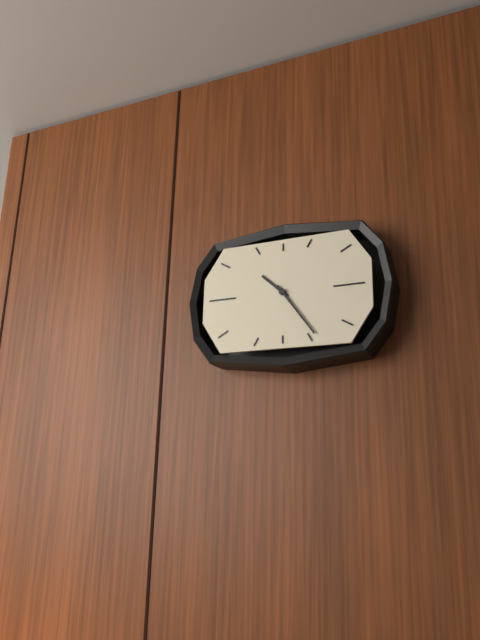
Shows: h=10 m=24
